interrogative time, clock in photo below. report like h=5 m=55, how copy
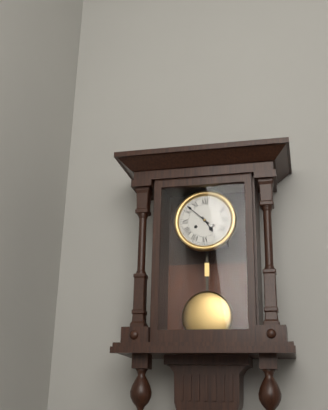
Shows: h=4 m=52
